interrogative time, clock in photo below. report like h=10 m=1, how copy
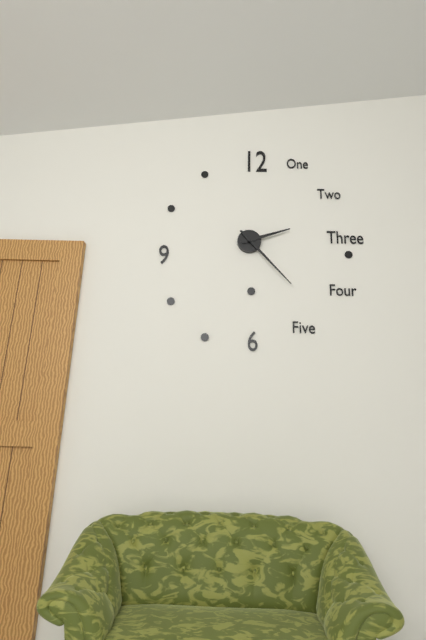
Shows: h=2 m=23
